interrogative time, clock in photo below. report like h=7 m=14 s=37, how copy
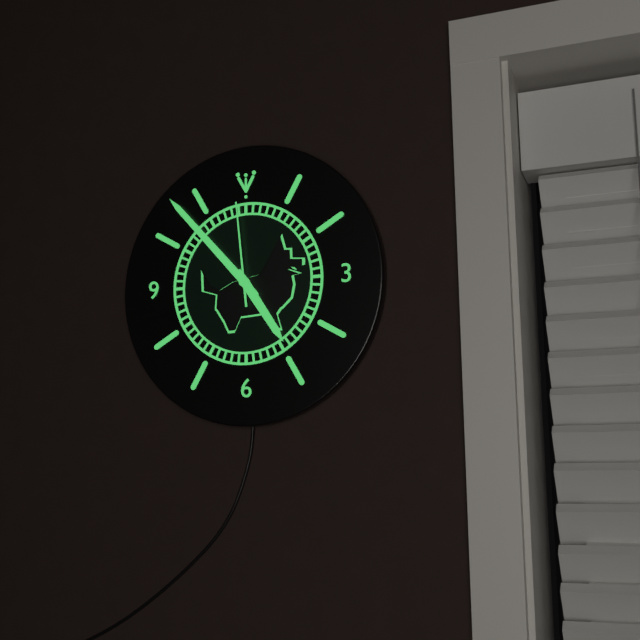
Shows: h=4 m=53 s=59
